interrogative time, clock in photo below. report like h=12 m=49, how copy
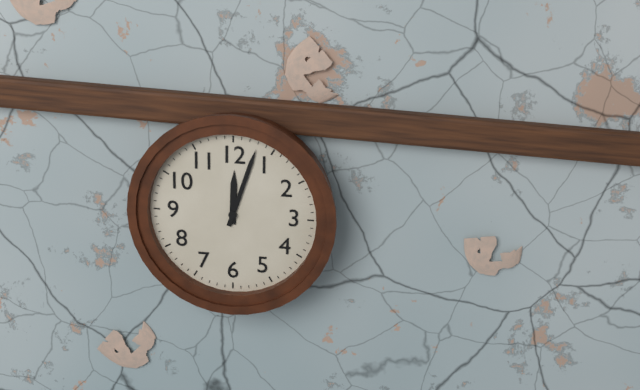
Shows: h=12 m=3
